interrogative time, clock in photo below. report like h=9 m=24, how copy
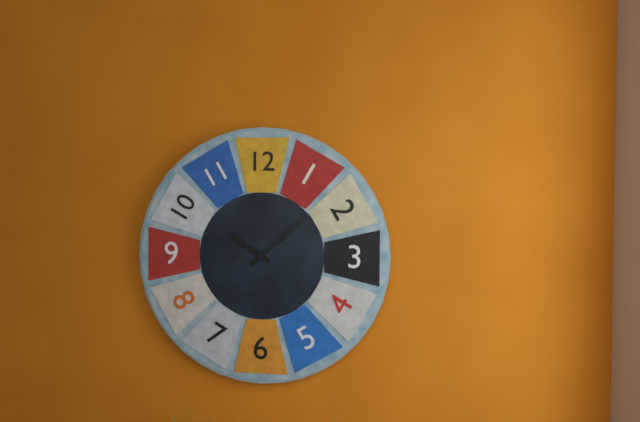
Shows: h=10 m=8
